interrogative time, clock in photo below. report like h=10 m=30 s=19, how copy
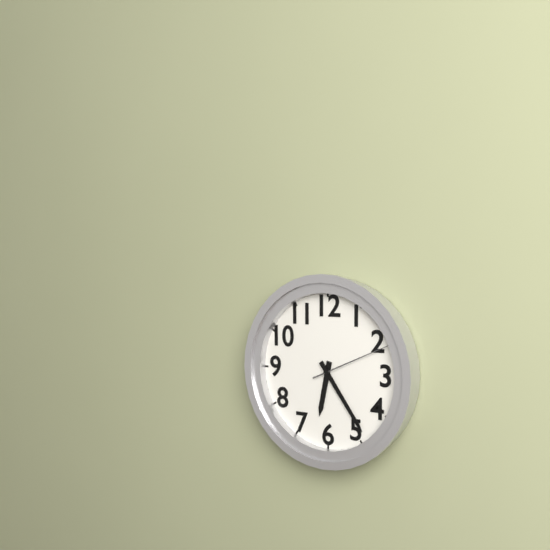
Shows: h=6 m=24 s=11
